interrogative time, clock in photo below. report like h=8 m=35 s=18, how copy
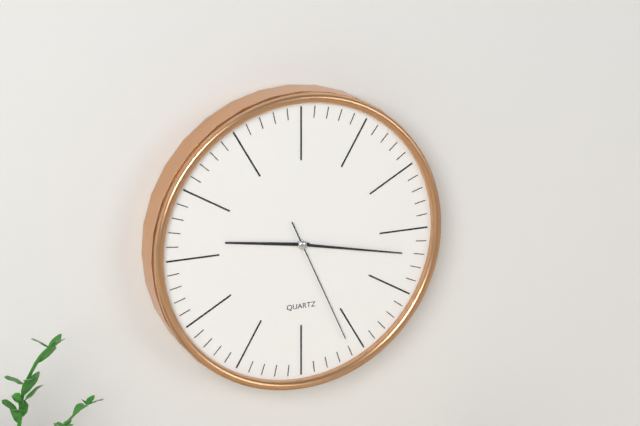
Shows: h=9 m=17 s=26
